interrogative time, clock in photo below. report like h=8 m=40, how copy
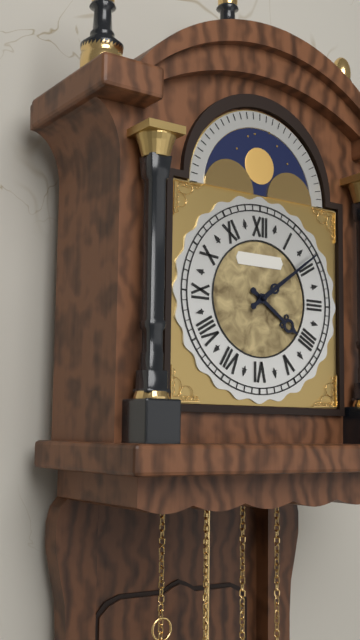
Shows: h=4 m=9
